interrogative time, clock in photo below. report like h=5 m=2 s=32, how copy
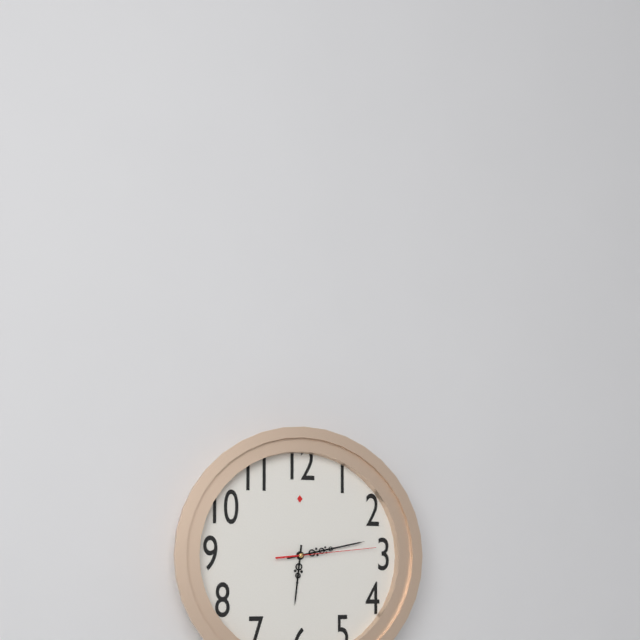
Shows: h=6 m=13 s=14
